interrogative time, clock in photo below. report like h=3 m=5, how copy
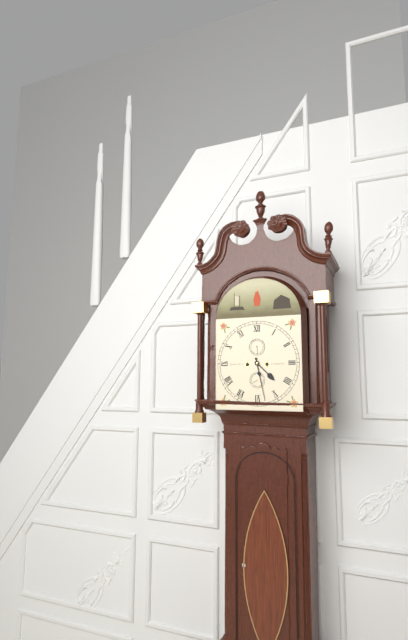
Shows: h=4 m=28
